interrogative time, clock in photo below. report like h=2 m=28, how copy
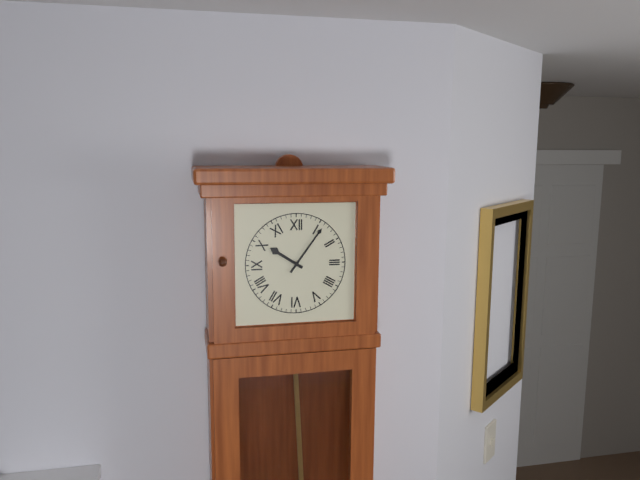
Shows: h=10 m=6
